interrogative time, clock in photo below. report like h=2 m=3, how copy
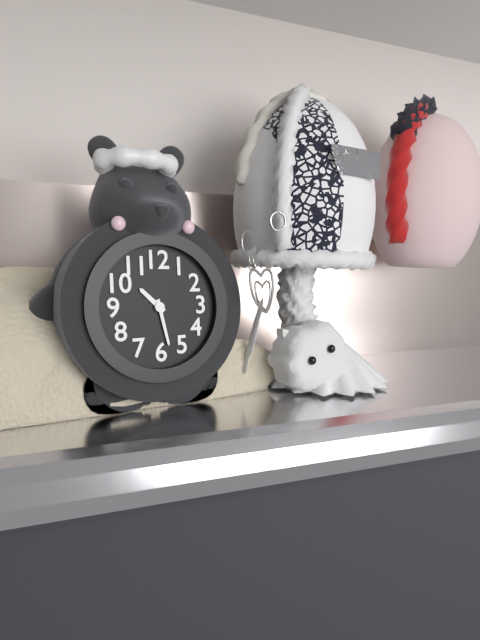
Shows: h=10 m=28
